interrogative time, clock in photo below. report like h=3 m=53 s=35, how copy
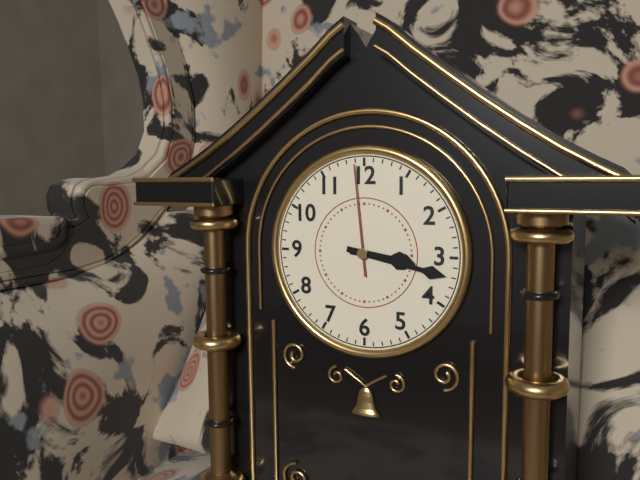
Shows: h=3 m=17 s=59
